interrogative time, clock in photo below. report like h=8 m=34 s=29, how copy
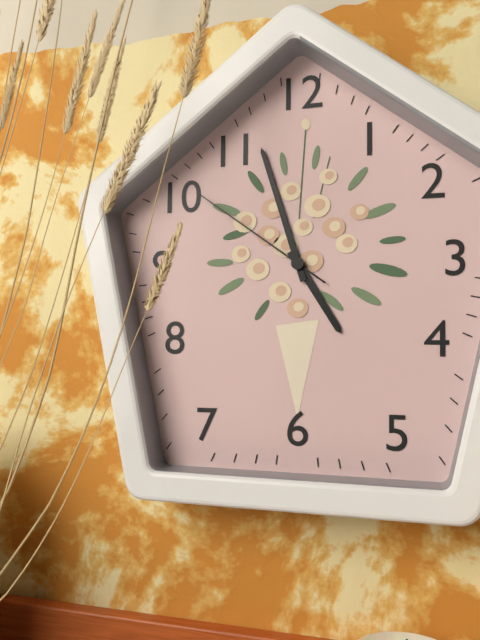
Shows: h=4 m=57 s=51
